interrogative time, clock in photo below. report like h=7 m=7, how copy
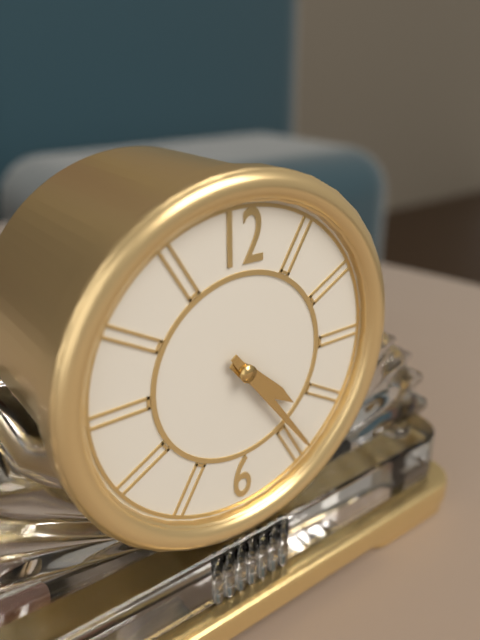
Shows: h=4 m=24
